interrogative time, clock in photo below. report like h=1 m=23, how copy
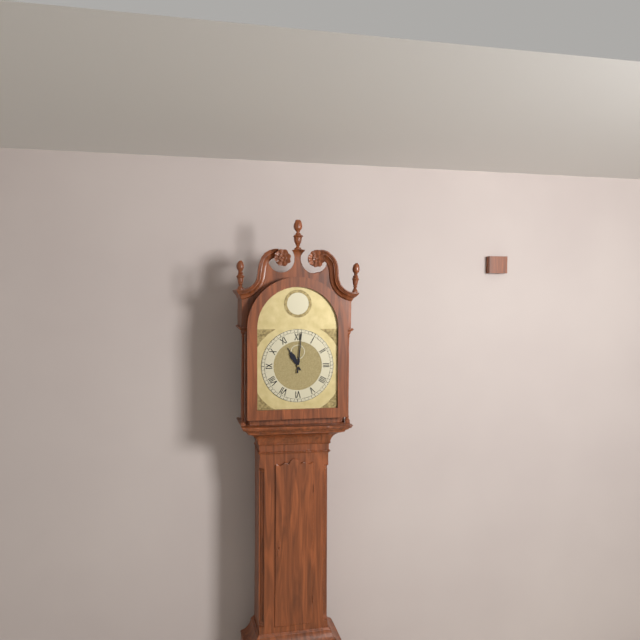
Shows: h=11 m=1
